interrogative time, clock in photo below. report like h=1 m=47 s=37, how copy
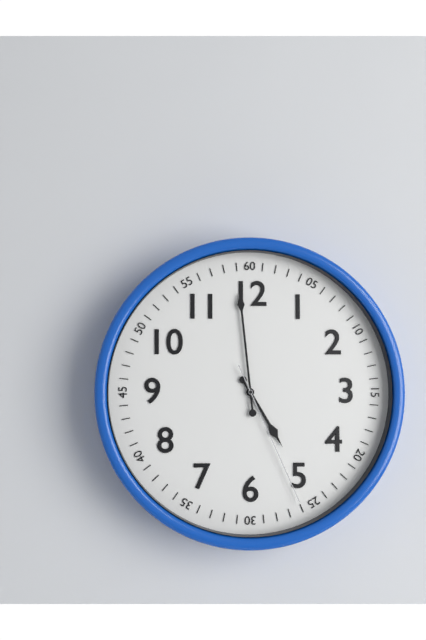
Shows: h=4 m=59 s=26
